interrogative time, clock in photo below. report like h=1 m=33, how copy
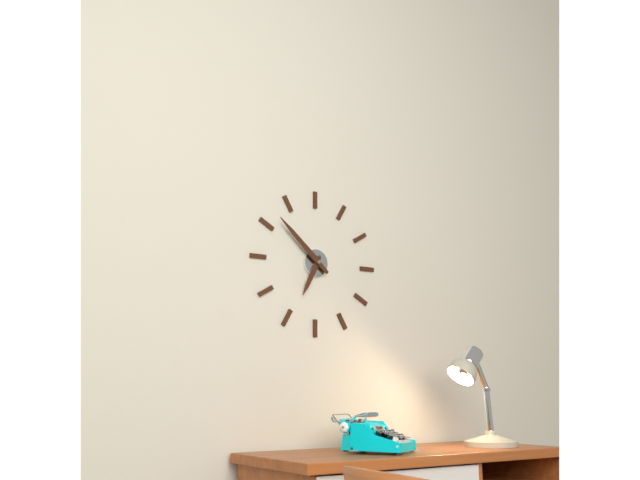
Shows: h=6 m=52
